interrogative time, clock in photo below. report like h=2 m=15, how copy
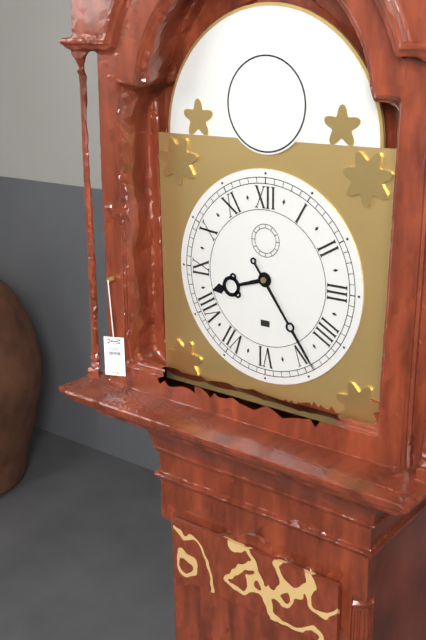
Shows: h=8 m=24
